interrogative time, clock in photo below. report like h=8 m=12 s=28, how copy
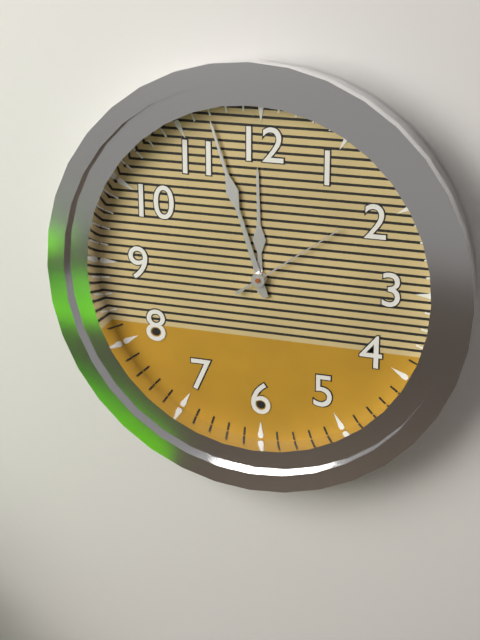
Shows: h=11 m=57 s=9
